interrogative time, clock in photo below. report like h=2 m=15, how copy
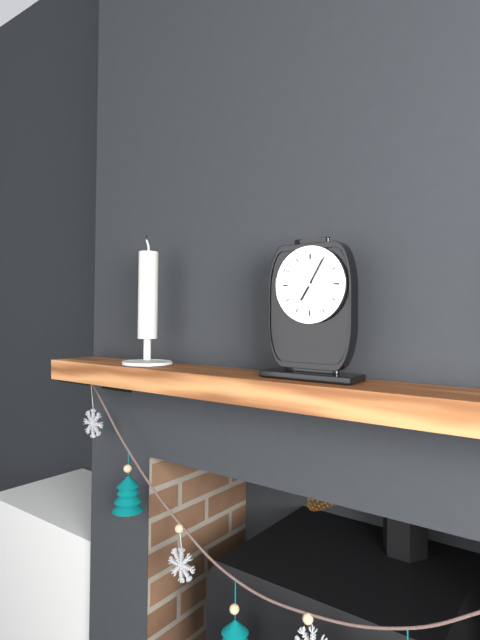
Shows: h=7 m=5
